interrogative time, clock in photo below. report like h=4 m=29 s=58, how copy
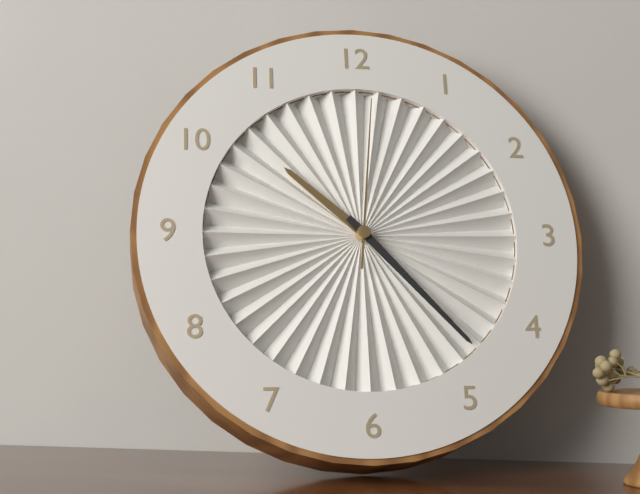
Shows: h=10 m=23 s=1
